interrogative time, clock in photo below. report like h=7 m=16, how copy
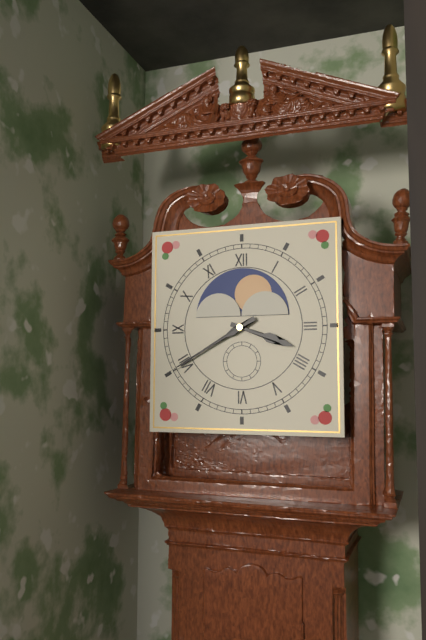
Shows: h=3 m=40
